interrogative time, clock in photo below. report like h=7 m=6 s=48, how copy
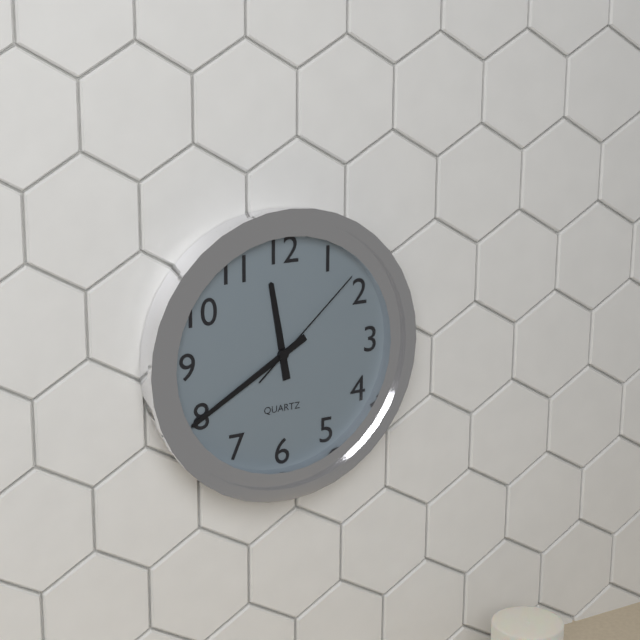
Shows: h=11 m=40 s=8
